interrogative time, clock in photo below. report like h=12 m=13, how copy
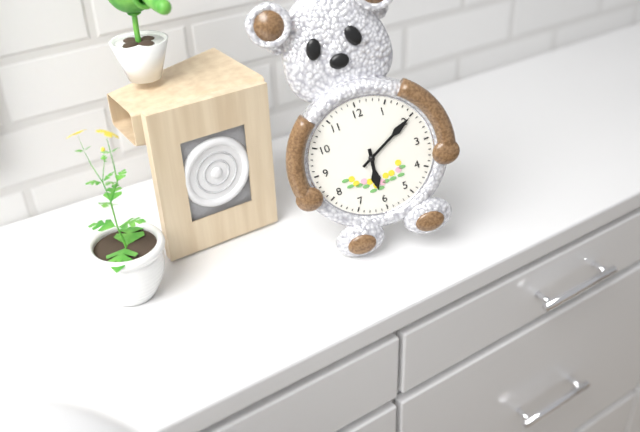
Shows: h=6 m=10
